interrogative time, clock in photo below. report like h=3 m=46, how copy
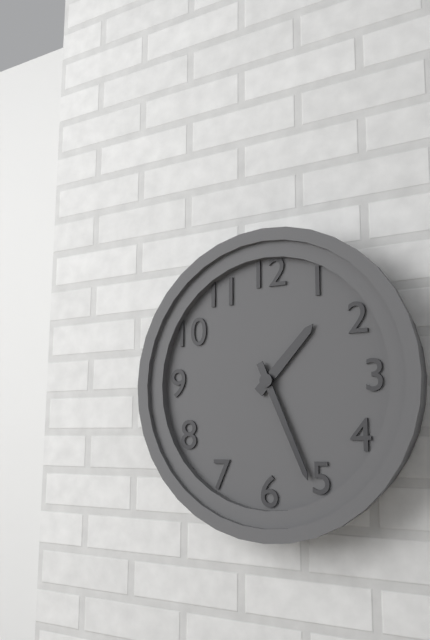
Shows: h=1 m=26
